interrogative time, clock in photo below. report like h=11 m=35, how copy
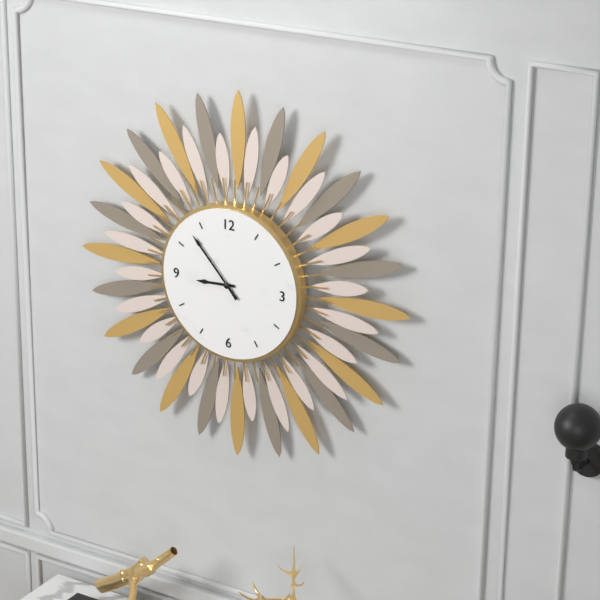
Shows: h=8 m=53
